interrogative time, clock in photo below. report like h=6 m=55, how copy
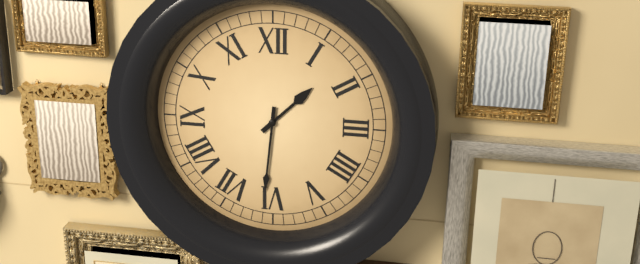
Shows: h=1 m=31
